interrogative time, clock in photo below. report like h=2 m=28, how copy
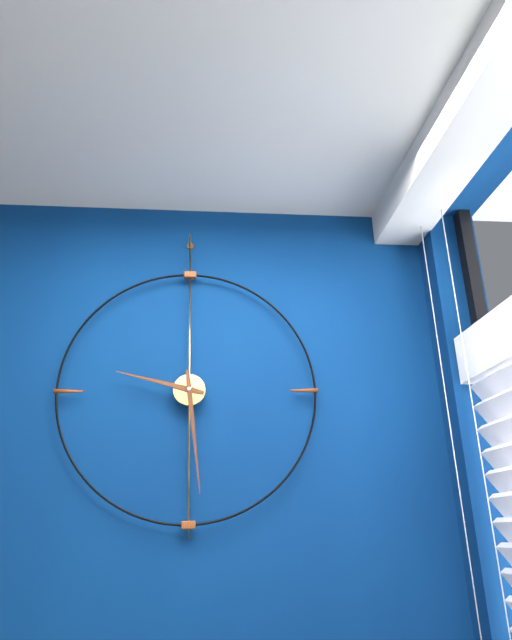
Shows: h=9 m=29
